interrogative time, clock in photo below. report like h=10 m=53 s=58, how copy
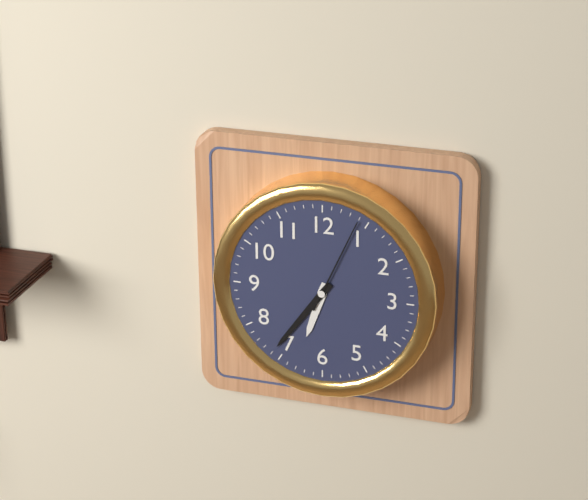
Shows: h=6 m=36 s=4
